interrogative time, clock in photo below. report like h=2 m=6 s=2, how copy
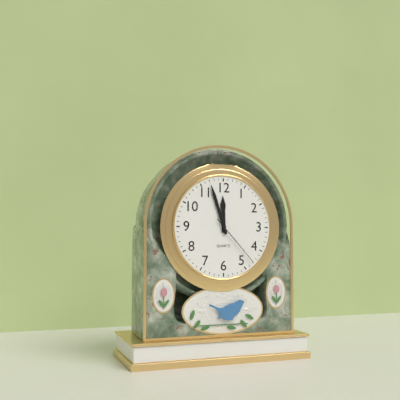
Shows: h=11 m=57 s=23
